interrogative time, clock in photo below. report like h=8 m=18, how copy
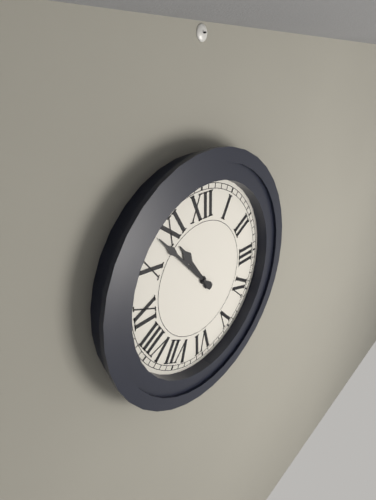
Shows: h=10 m=53
